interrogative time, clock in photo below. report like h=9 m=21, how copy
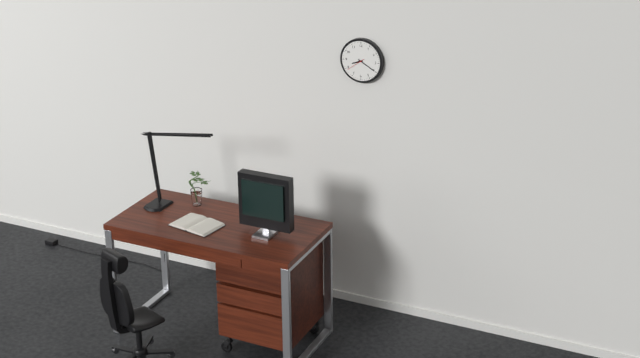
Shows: h=8 m=20
